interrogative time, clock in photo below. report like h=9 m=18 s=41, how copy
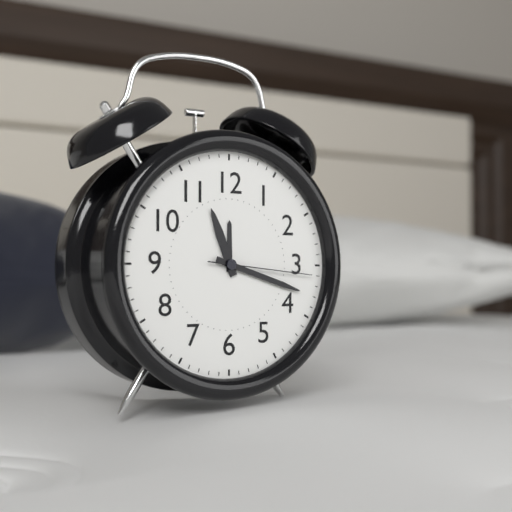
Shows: h=11 m=18 s=16
